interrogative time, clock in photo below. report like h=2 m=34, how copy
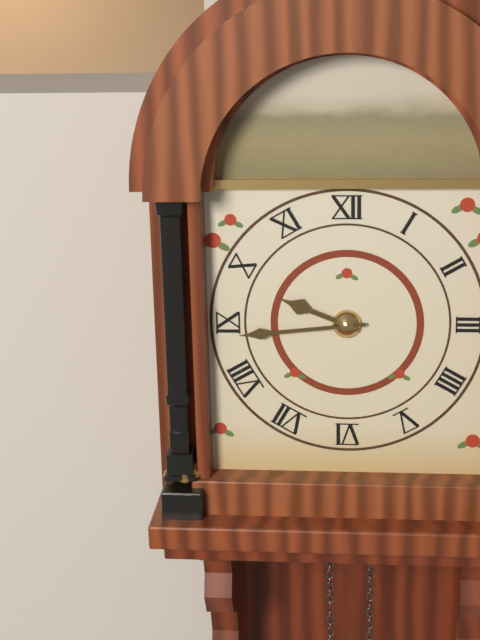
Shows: h=9 m=44
